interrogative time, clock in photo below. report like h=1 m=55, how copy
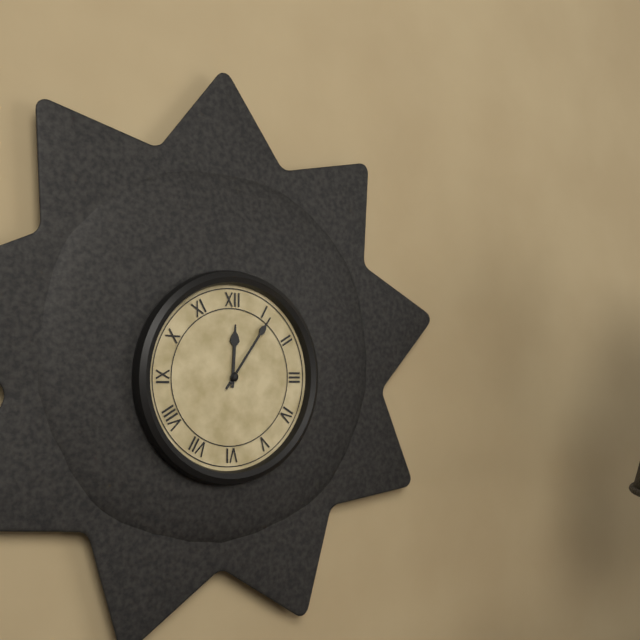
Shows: h=12 m=6
